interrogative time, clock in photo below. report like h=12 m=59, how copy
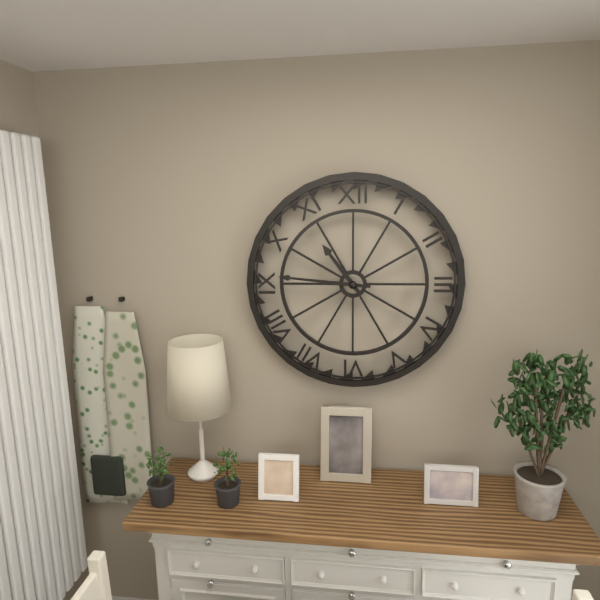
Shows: h=10 m=46
